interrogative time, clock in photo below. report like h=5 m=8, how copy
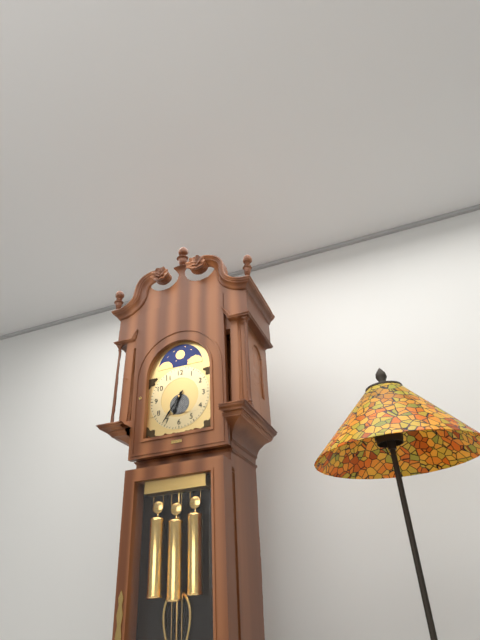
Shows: h=6 m=36
